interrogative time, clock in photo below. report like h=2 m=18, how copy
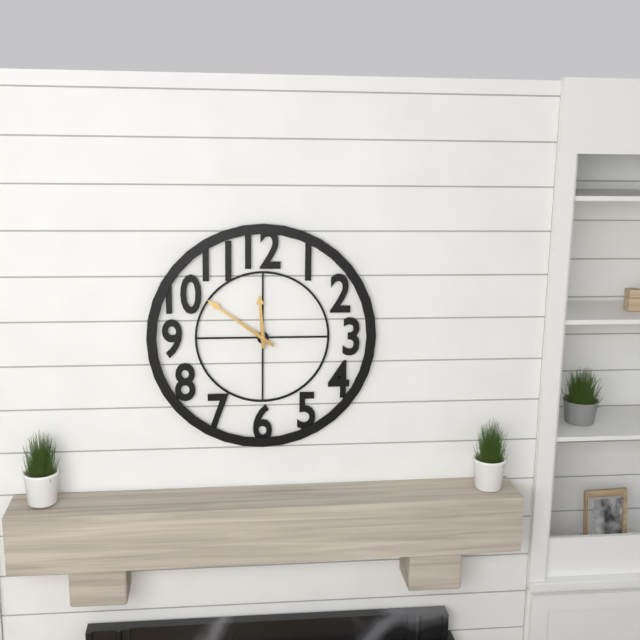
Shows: h=11 m=51
